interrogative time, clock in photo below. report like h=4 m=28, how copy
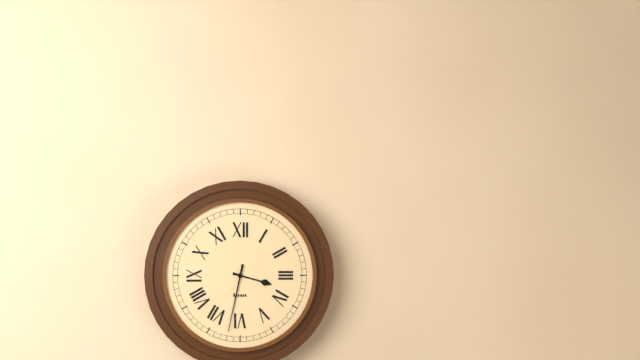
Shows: h=3 m=32
